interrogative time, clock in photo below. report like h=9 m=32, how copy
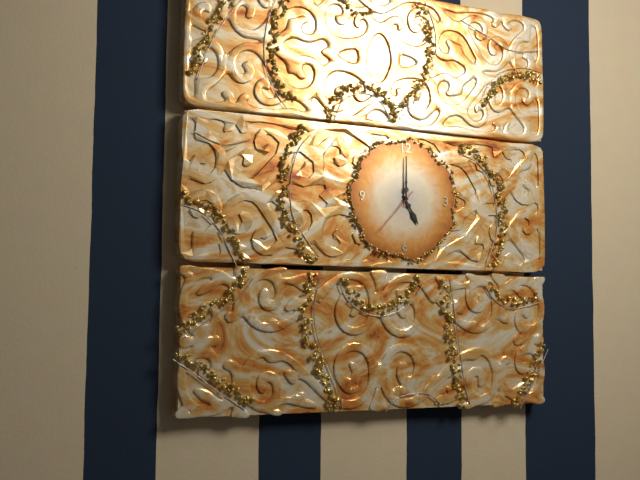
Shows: h=5 m=0
